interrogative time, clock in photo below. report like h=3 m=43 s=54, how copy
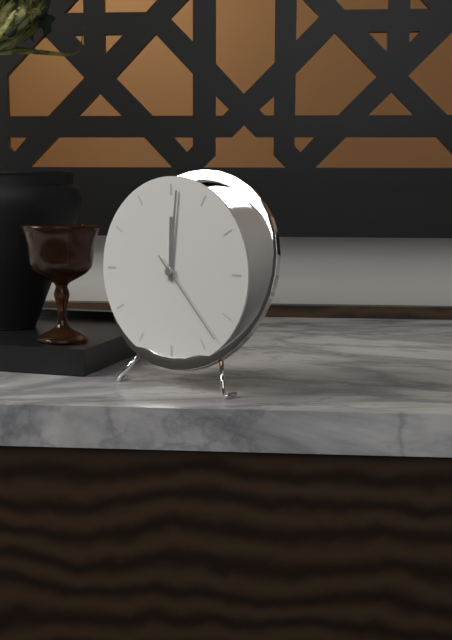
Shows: h=12 m=1 s=23
